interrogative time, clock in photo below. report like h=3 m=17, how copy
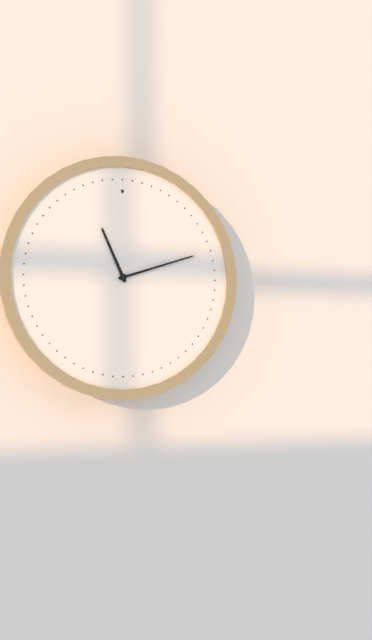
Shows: h=11 m=12
